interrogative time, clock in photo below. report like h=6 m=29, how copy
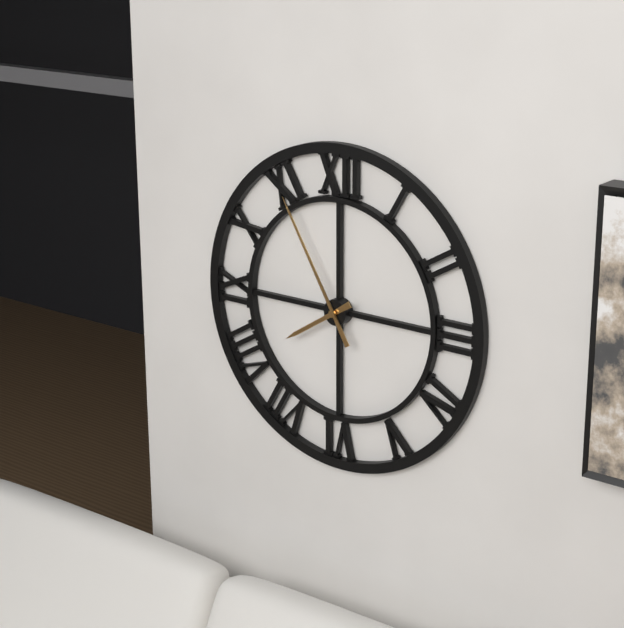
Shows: h=7 m=55
